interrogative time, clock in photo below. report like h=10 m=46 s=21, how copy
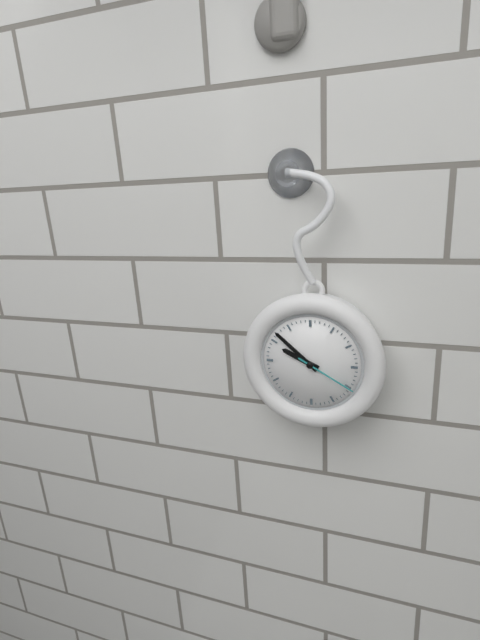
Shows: h=9 m=52 s=20
